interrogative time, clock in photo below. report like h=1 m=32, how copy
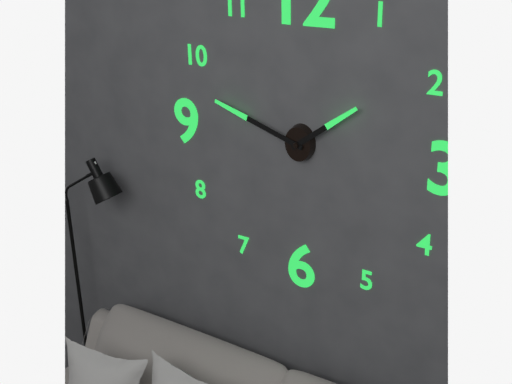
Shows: h=1 m=48
